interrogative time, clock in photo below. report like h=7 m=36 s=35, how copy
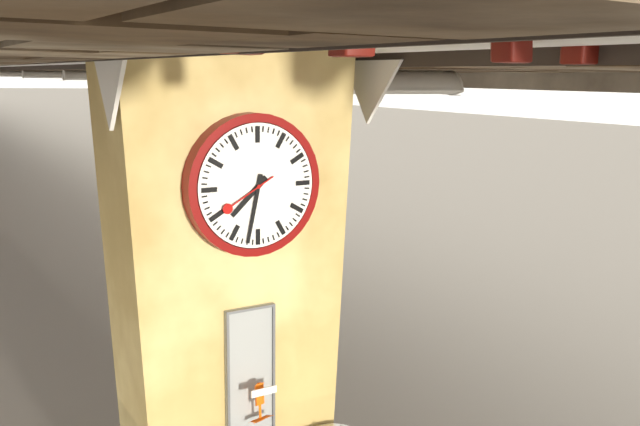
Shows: h=7 m=32 s=40
